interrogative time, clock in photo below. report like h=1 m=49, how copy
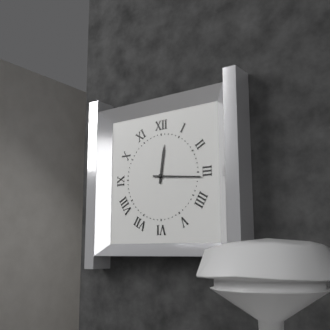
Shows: h=12 m=16
